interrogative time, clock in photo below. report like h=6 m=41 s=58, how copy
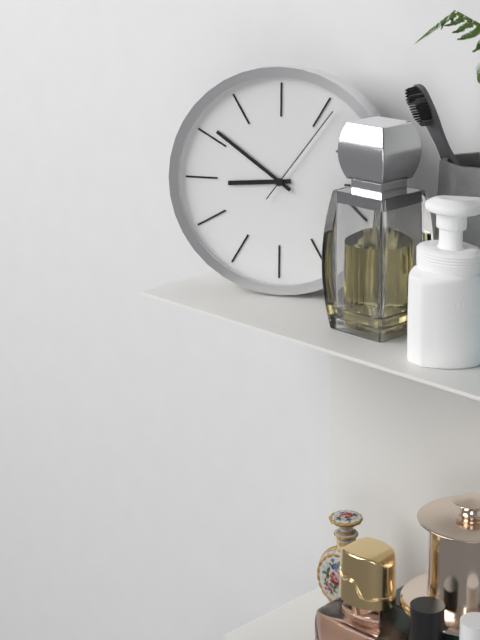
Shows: h=8 m=51 s=6
